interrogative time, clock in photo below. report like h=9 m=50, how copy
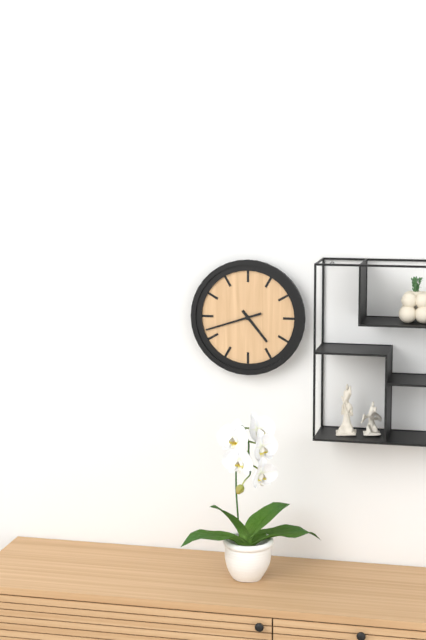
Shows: h=4 m=42
